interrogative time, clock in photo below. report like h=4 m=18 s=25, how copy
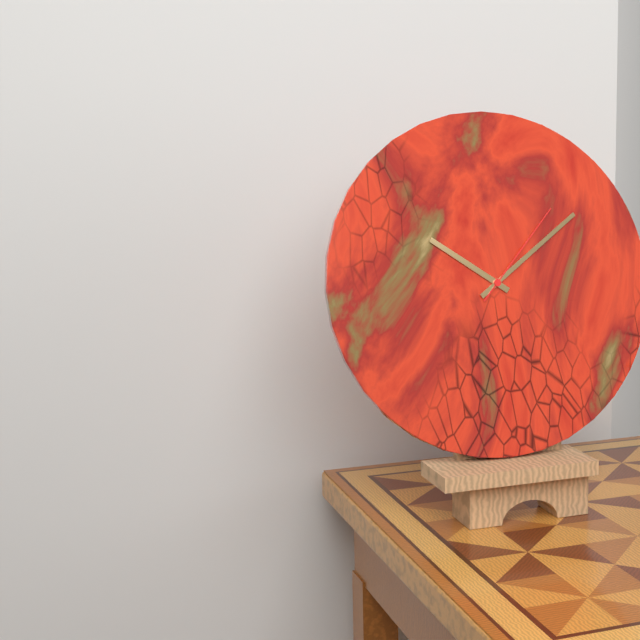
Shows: h=10 m=9 s=7
